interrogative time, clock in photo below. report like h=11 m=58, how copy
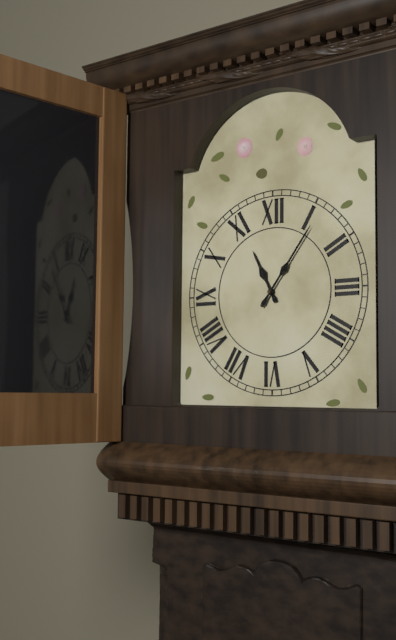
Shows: h=11 m=6
